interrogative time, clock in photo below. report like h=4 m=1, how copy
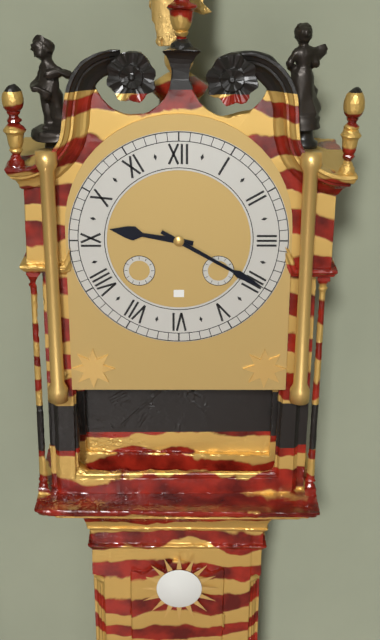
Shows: h=9 m=20
